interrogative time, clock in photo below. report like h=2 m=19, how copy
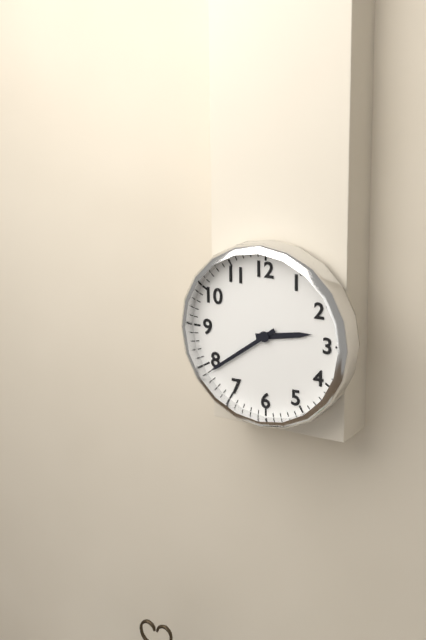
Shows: h=2 m=39
